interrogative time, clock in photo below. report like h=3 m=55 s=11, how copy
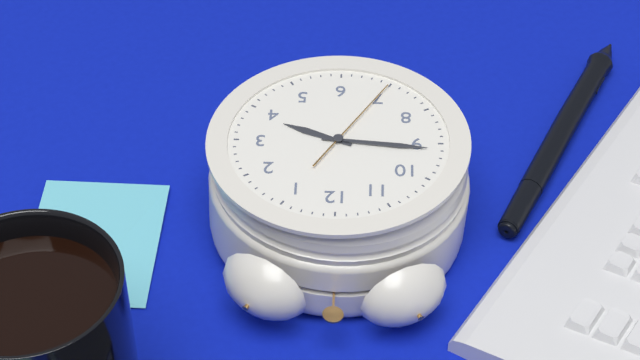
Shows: h=3 m=46 s=35
